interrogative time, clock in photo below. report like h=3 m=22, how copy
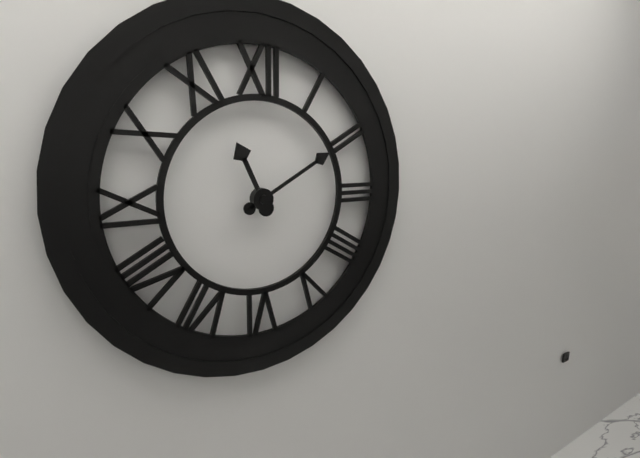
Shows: h=11 m=10
